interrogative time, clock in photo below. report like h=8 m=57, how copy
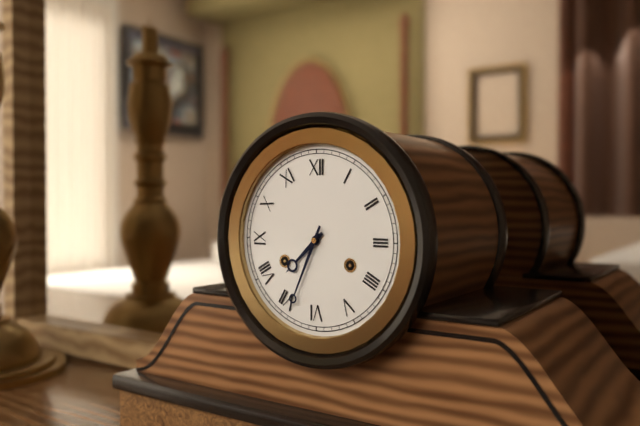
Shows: h=7 m=34
